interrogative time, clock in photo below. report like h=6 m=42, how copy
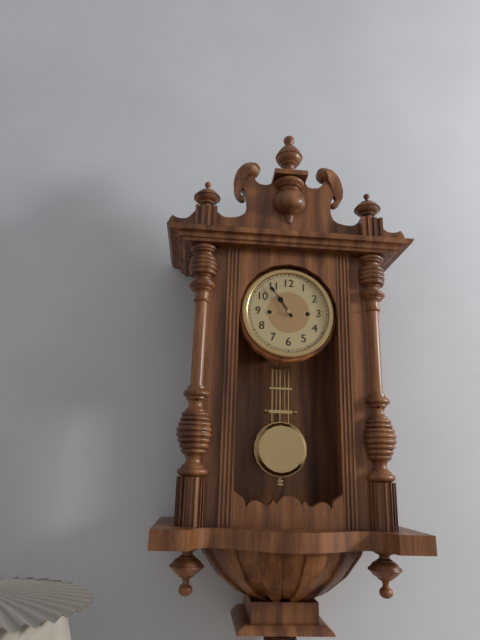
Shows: h=10 m=54
